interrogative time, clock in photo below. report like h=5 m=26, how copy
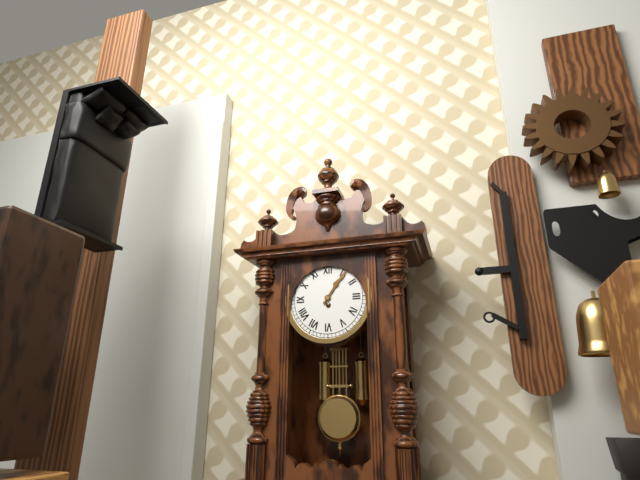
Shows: h=1 m=6
